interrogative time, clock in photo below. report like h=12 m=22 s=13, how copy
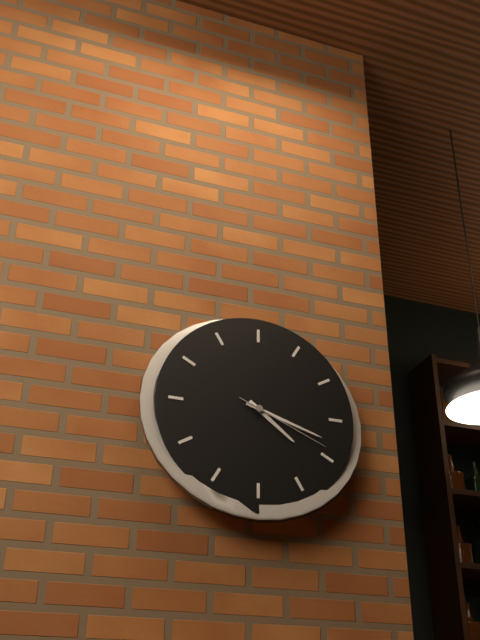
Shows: h=4 m=18 s=19
